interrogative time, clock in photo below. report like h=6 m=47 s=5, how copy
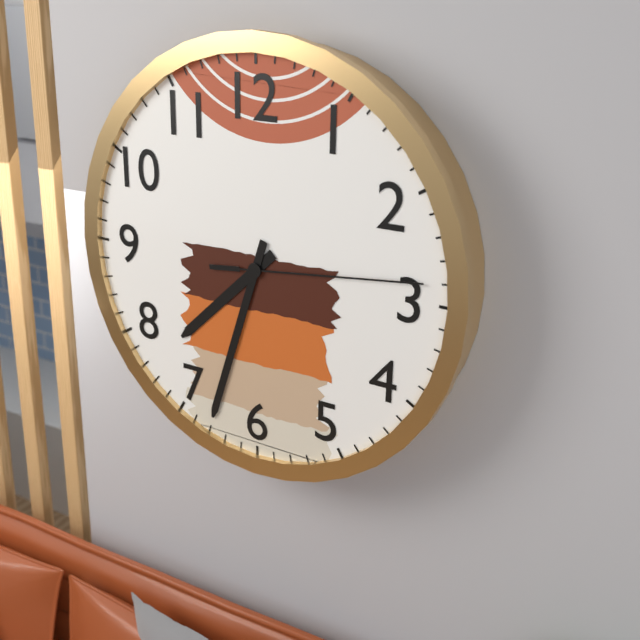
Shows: h=7 m=33 s=14
